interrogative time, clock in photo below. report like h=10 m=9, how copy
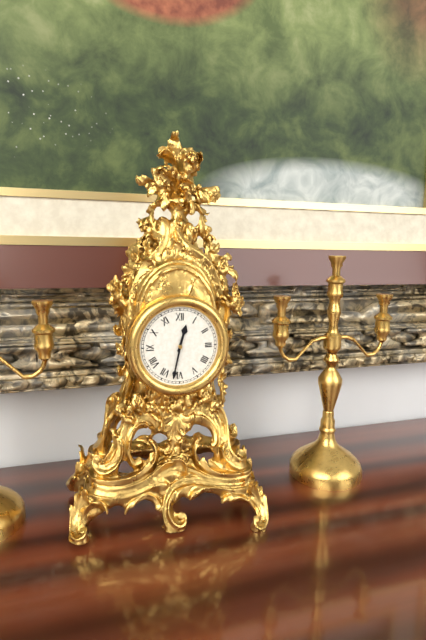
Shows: h=12 m=32
